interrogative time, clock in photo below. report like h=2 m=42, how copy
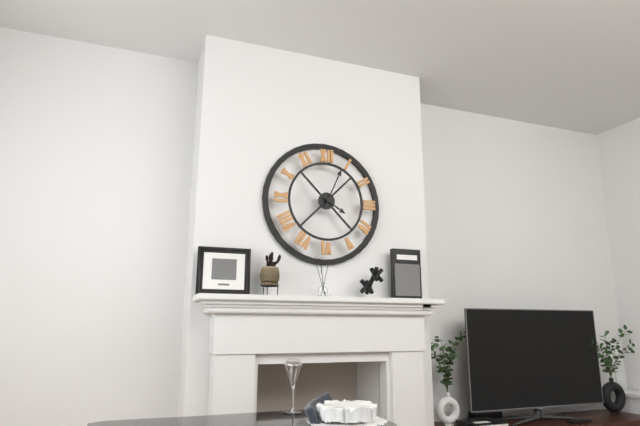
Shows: h=4 m=4
